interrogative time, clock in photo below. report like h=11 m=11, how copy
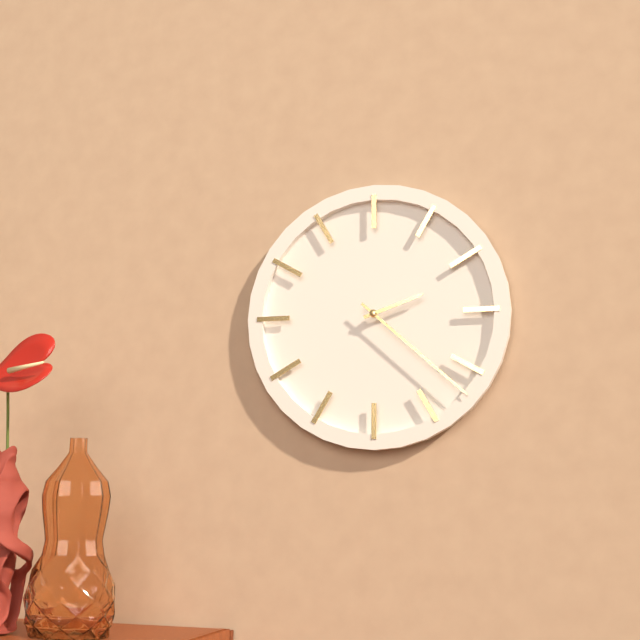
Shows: h=2 m=22
